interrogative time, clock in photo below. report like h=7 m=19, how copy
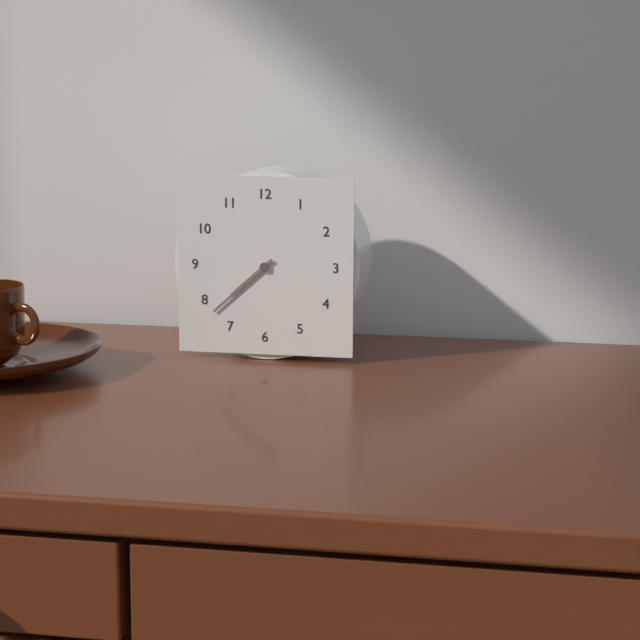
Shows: h=7 m=38
